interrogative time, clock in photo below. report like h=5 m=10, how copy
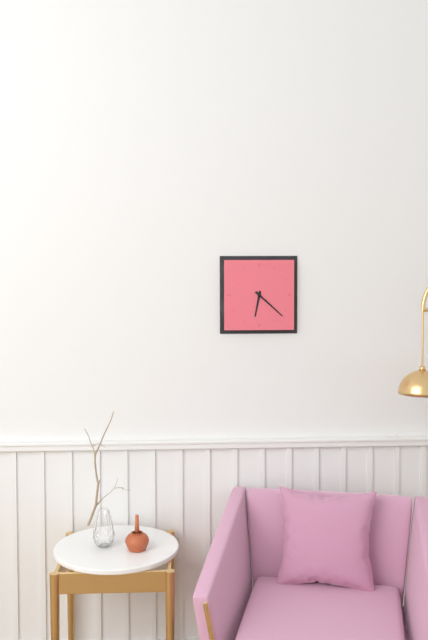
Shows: h=6 m=22
